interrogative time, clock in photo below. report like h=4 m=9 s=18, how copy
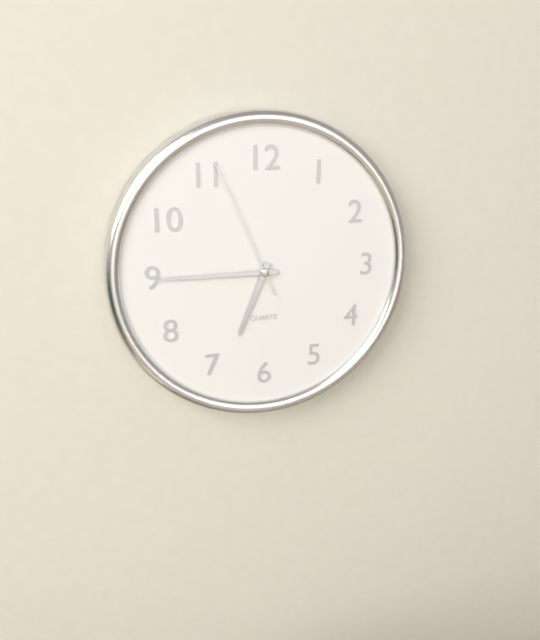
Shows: h=6 m=45 s=56
